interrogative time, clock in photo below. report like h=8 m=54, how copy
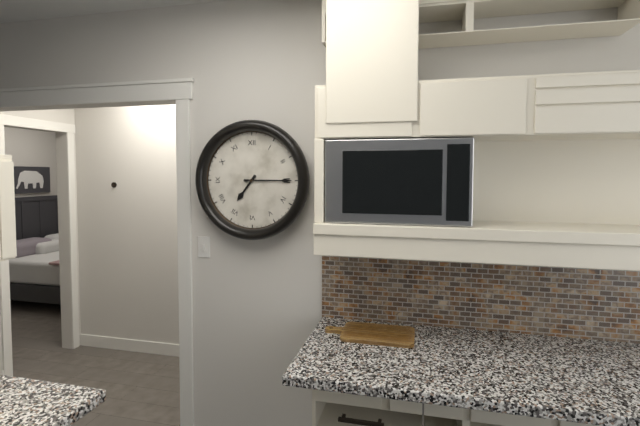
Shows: h=7 m=15
